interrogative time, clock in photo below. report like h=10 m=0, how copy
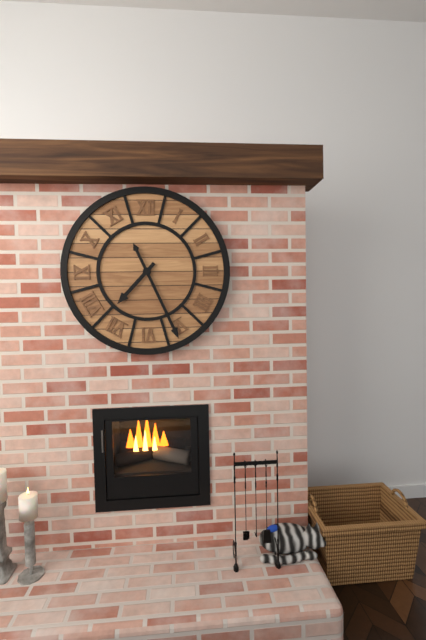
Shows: h=7 m=26
